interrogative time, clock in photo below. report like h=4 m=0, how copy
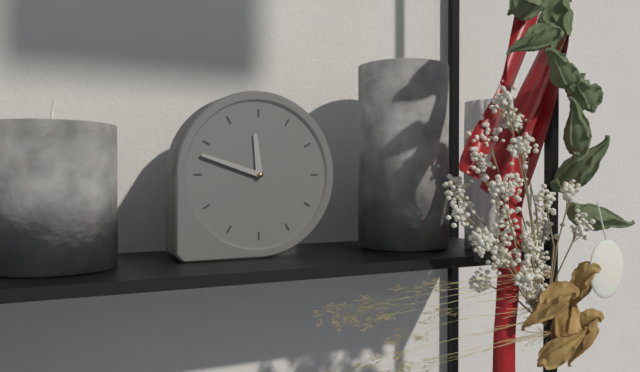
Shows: h=11 m=48
